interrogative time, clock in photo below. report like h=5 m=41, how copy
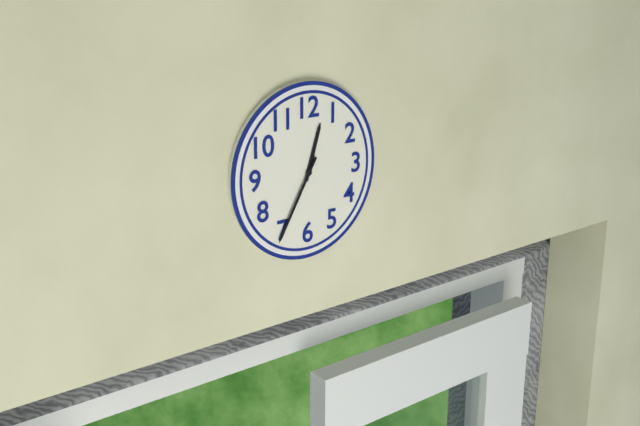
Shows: h=12 m=35
